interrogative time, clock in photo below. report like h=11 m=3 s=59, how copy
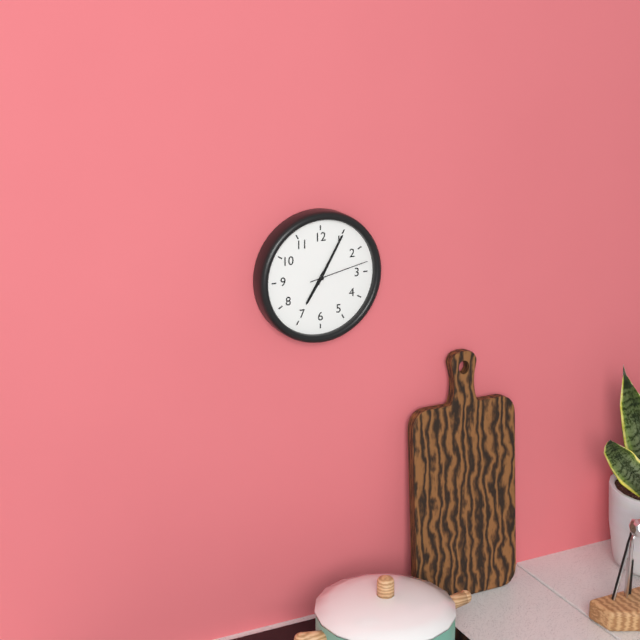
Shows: h=7 m=5 s=13
